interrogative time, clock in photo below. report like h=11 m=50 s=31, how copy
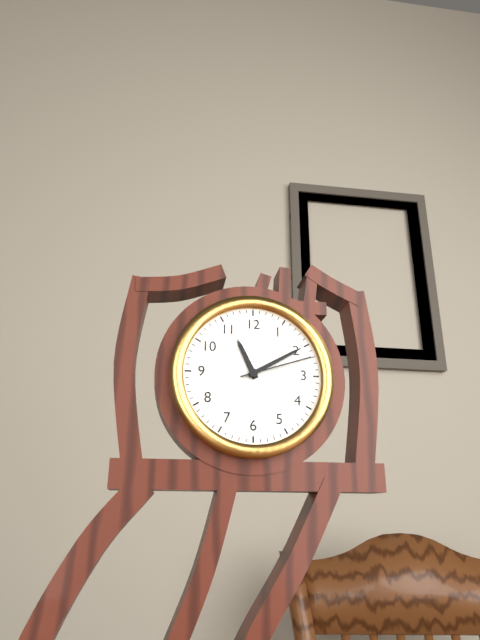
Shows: h=11 m=10 s=12
